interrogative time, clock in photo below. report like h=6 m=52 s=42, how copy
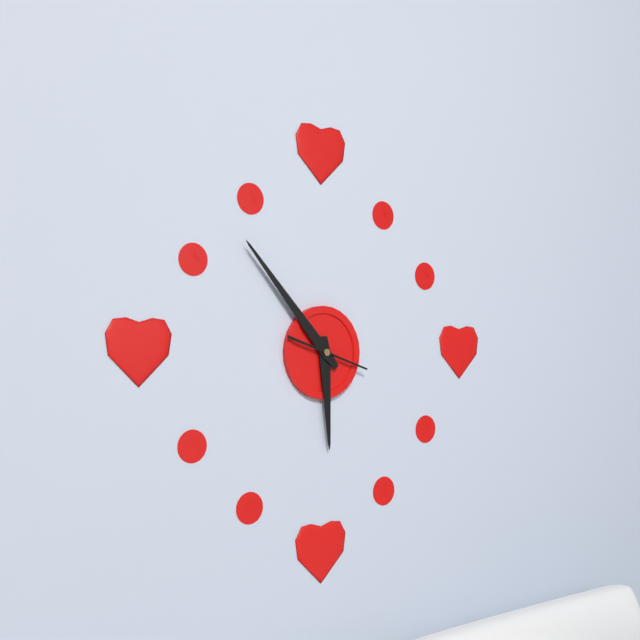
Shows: h=5 m=53 s=18
